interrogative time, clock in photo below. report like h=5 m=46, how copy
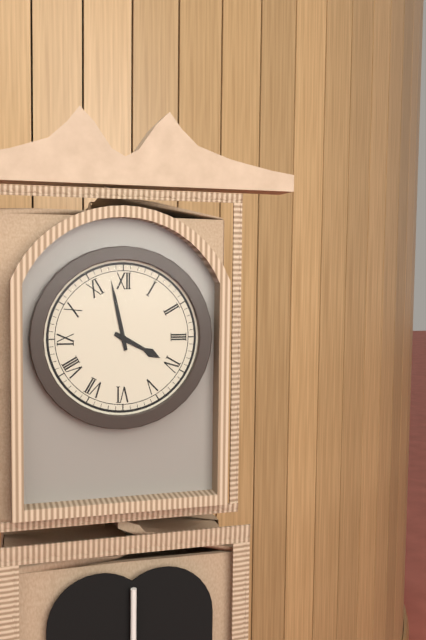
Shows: h=3 m=58
